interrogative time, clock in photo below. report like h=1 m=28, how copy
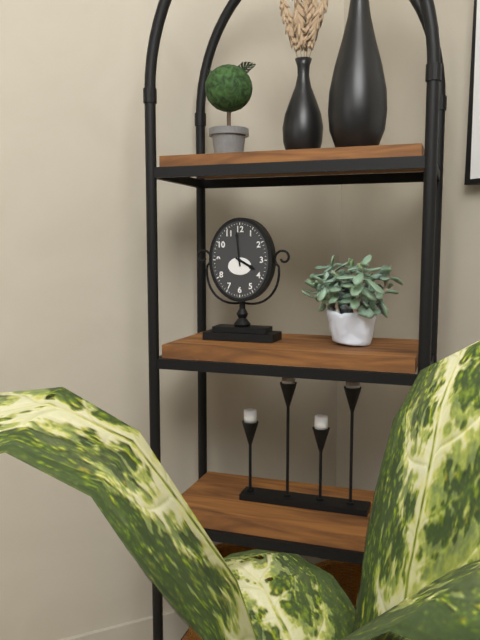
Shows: h=3 m=59
